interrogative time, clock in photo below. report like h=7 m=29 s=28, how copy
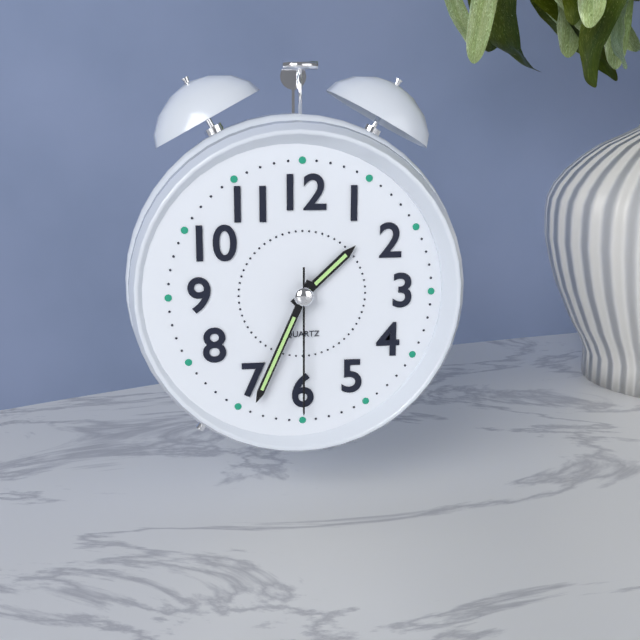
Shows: h=1 m=34 s=30
